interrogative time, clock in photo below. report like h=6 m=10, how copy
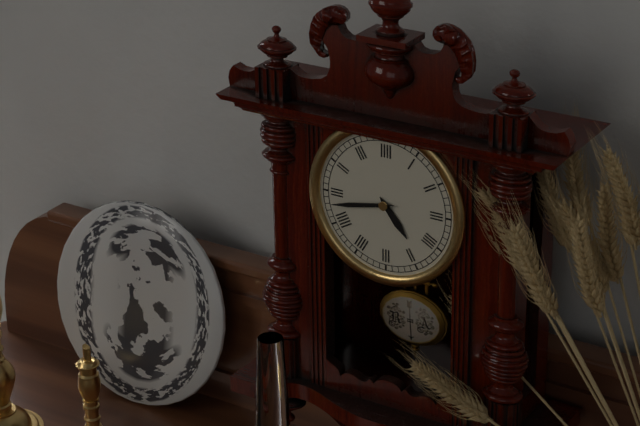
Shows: h=4 m=43
